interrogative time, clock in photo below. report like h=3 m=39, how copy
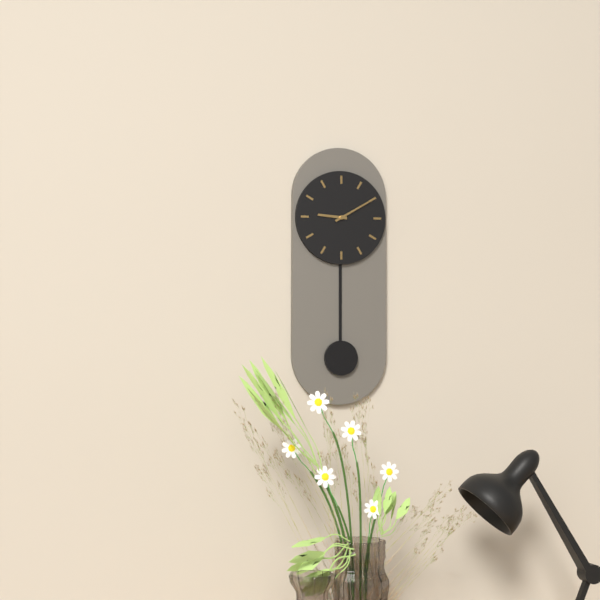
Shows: h=9 m=10
